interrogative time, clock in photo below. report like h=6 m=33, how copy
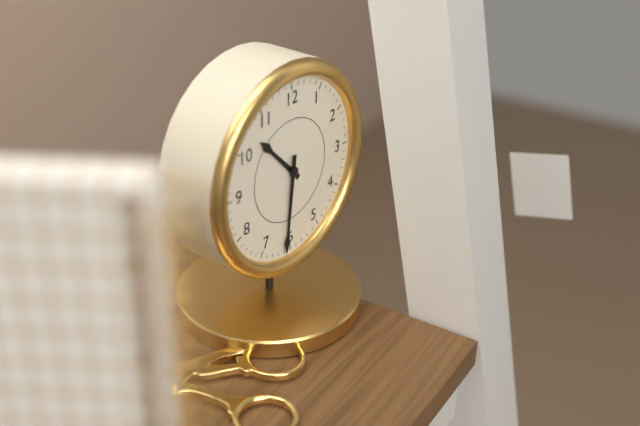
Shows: h=10 m=31
